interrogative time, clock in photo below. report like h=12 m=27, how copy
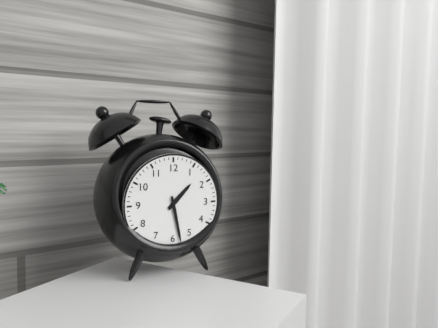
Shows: h=1 m=28
